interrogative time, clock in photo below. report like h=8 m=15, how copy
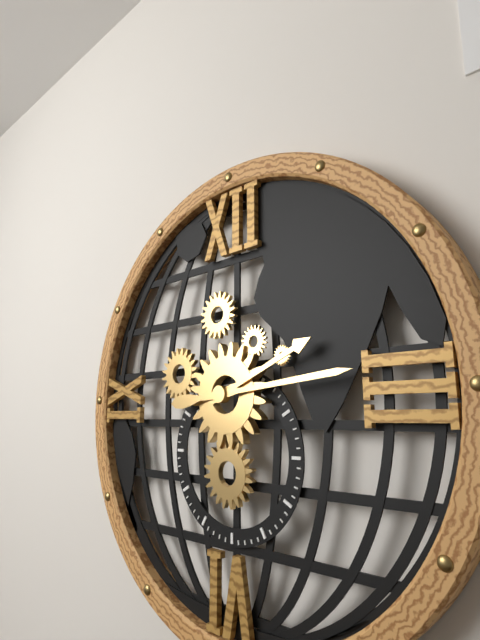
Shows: h=2 m=14
